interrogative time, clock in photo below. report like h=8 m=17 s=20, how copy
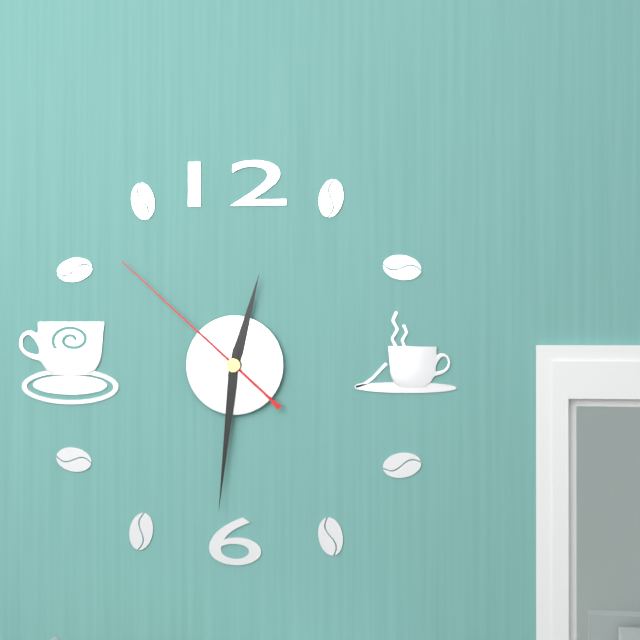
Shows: h=12 m=31 s=52
